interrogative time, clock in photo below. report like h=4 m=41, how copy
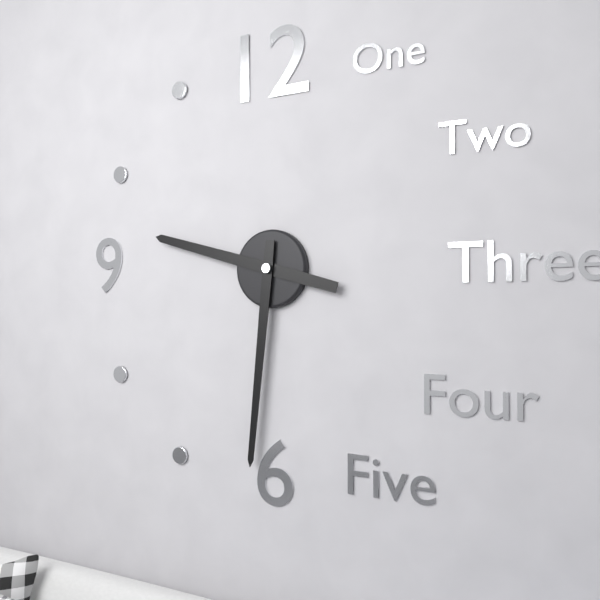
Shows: h=9 m=31
